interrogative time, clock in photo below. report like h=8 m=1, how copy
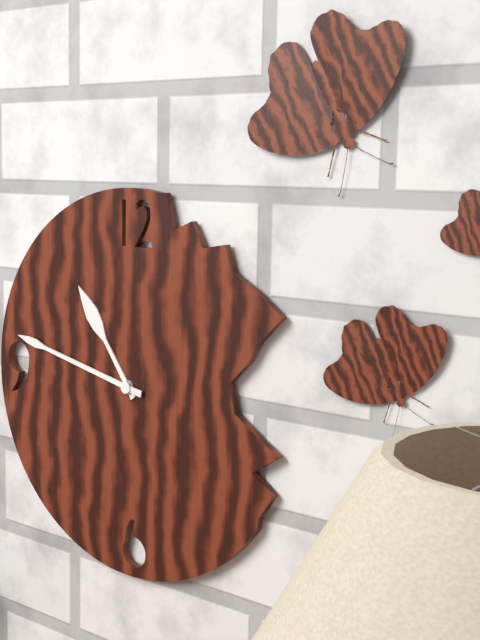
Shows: h=10 m=47
